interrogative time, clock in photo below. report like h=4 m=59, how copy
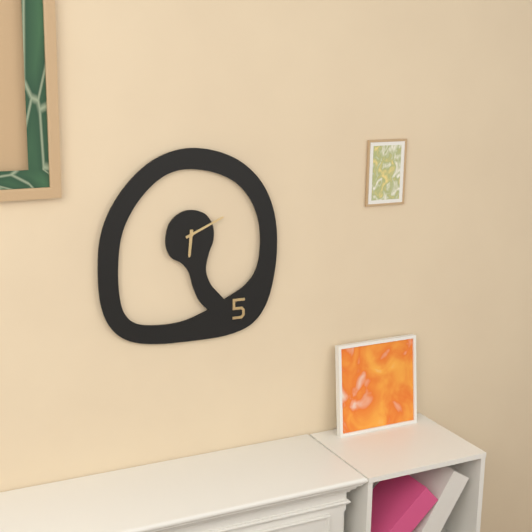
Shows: h=6 m=11
